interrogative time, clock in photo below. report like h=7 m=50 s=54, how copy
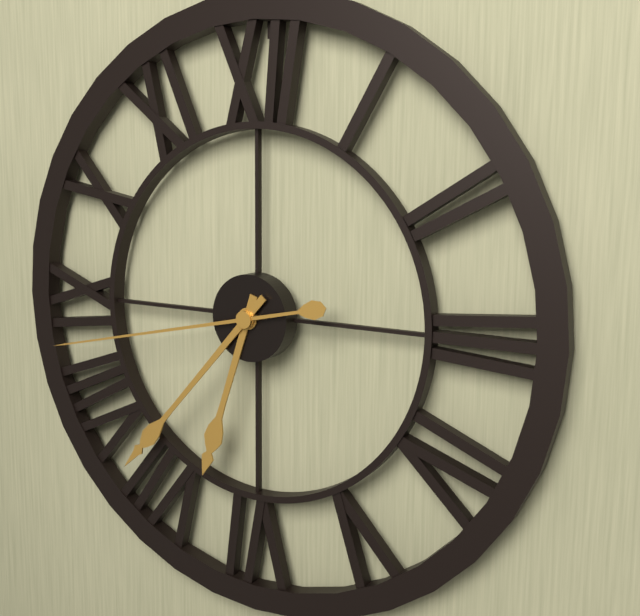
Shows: h=6 m=37 s=43
